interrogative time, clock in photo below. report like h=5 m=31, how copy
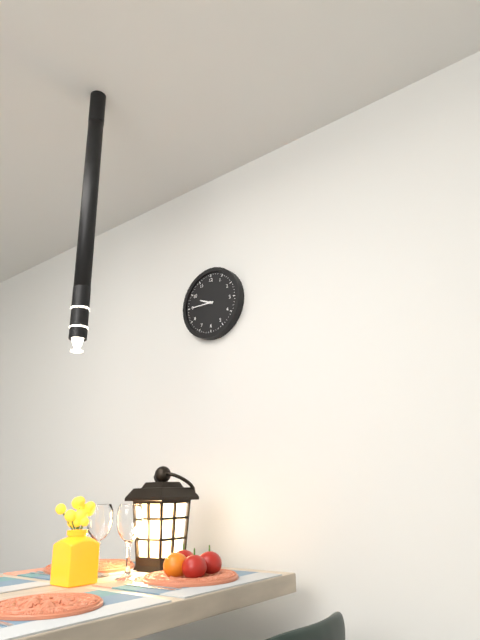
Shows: h=9 m=45
